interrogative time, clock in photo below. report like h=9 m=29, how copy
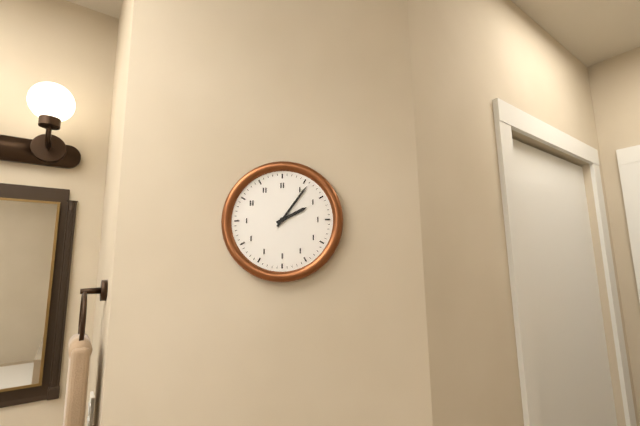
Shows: h=2 m=6
